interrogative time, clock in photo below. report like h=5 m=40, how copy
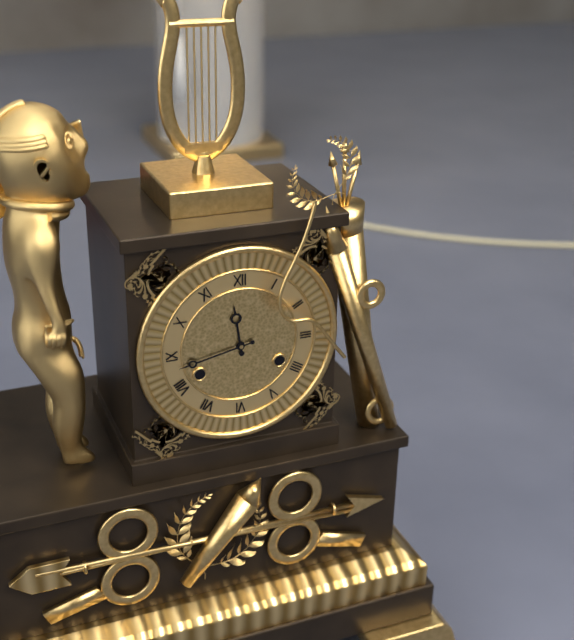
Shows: h=11 m=43
